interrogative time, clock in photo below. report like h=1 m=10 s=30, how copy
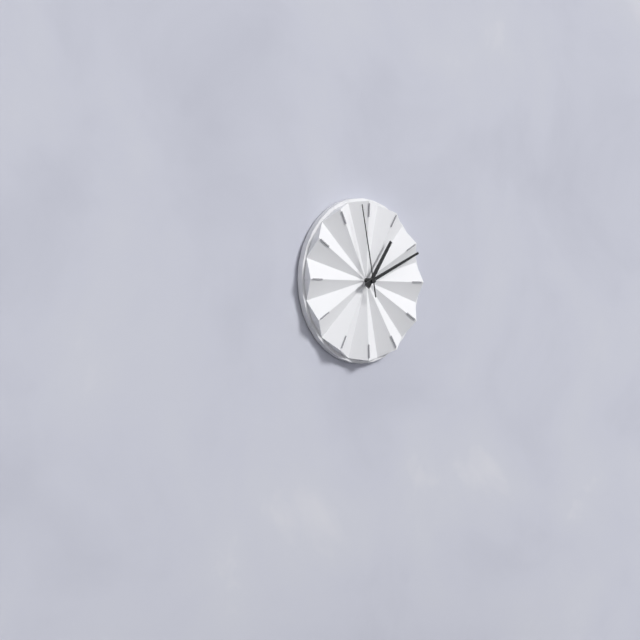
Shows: h=1 m=11 s=58
